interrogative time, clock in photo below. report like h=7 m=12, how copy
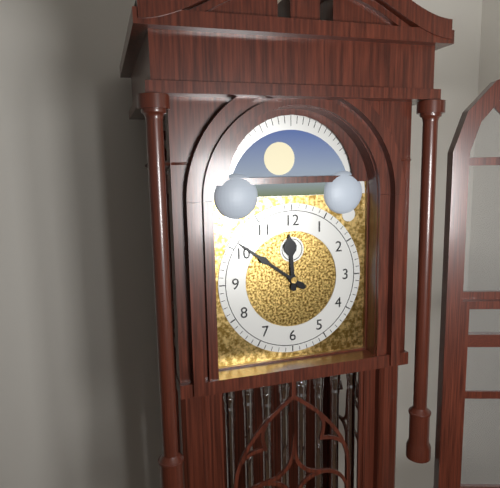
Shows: h=11 m=51
